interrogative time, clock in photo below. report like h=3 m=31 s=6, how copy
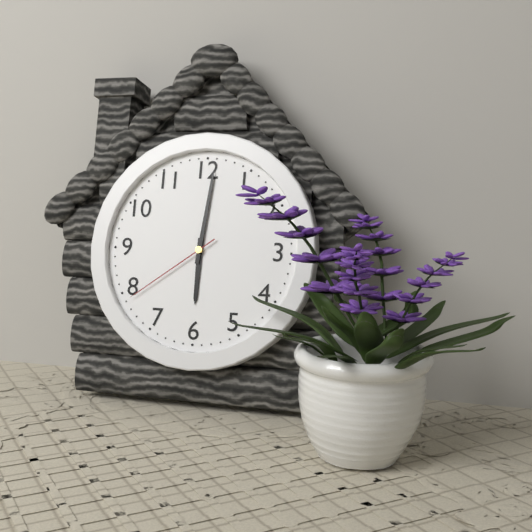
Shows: h=6 m=1 s=39
